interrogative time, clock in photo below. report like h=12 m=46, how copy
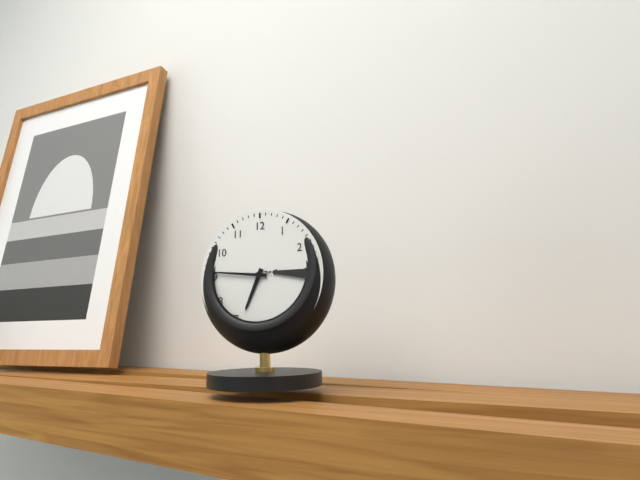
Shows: h=6 m=46
